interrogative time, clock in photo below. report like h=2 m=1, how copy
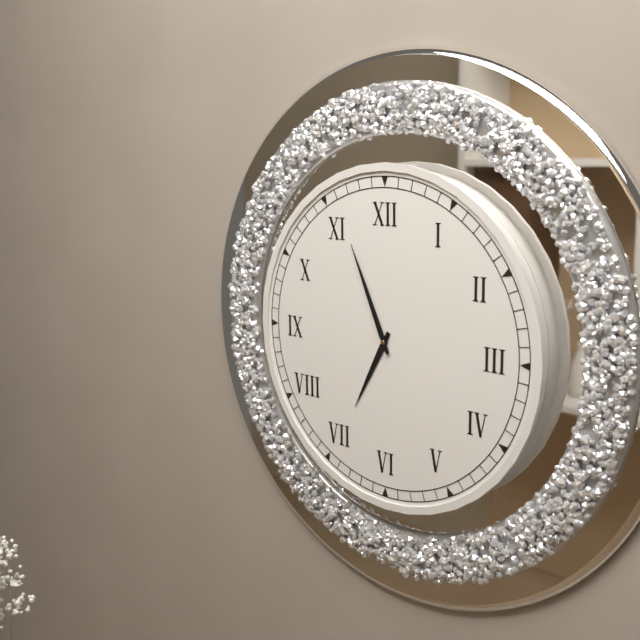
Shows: h=6 m=56
